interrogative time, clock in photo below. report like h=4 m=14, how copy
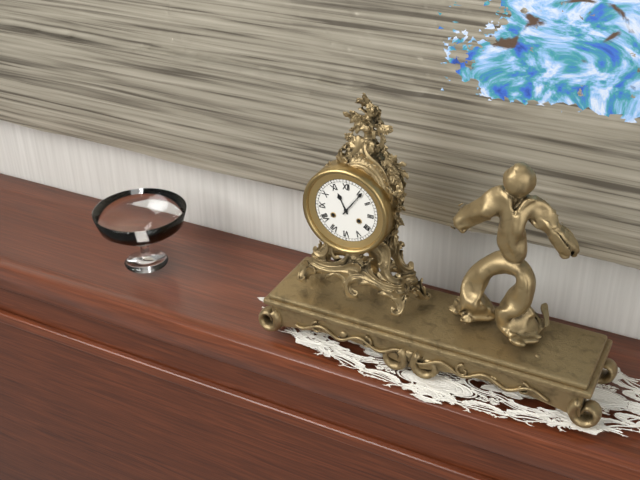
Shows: h=11 m=6
